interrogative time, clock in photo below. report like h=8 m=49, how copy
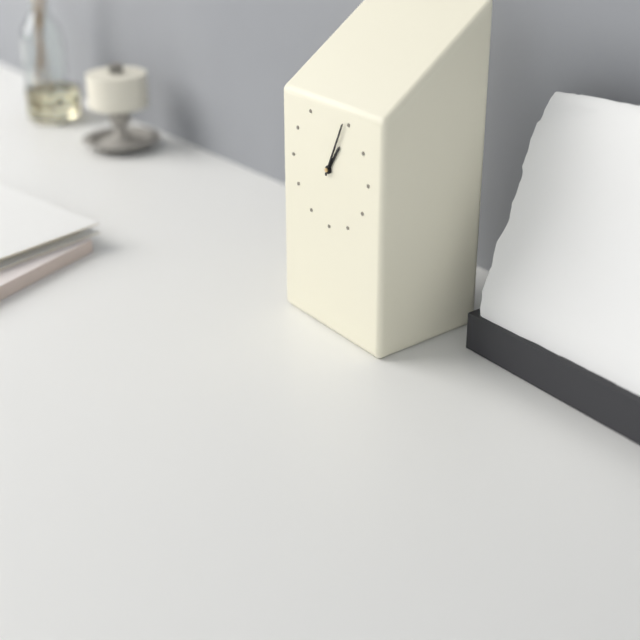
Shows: h=1 m=4
